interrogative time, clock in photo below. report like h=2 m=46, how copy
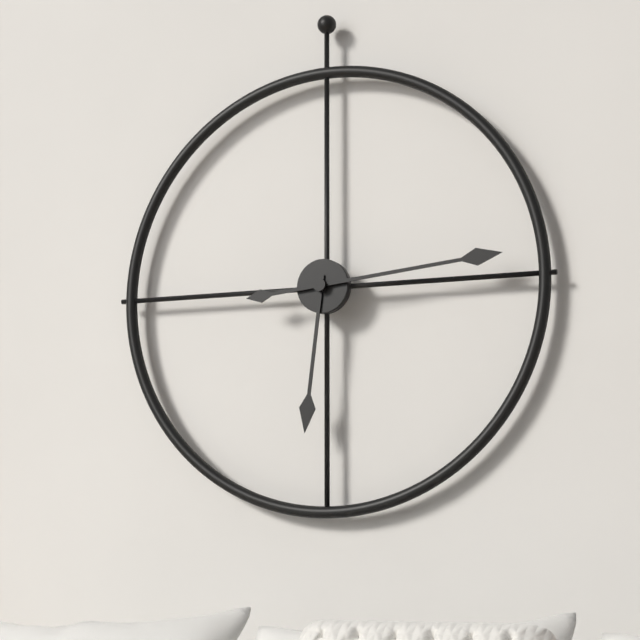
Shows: h=6 m=14
